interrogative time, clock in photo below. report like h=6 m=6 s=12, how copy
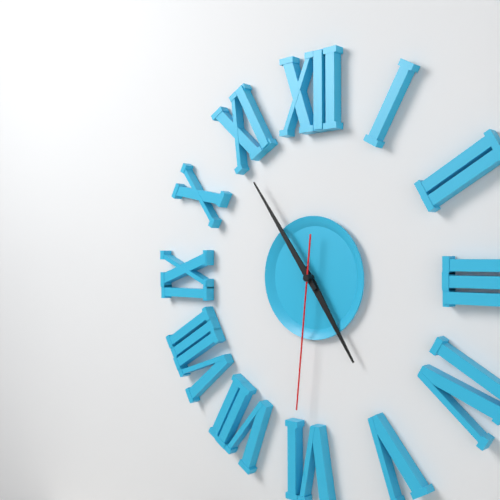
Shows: h=4 m=54 s=31
